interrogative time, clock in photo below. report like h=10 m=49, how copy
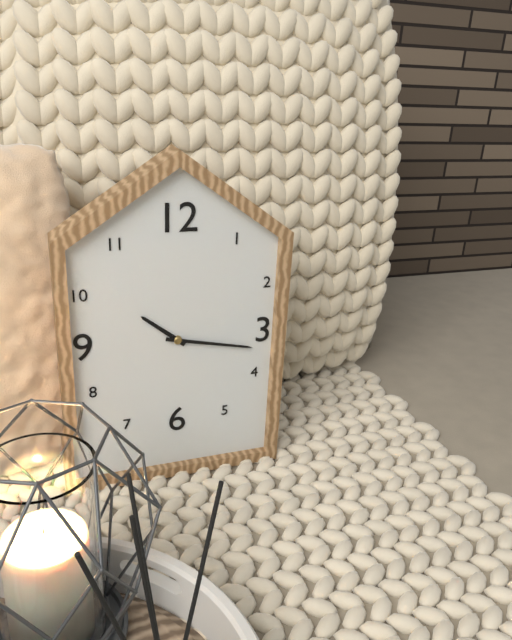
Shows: h=10 m=17
